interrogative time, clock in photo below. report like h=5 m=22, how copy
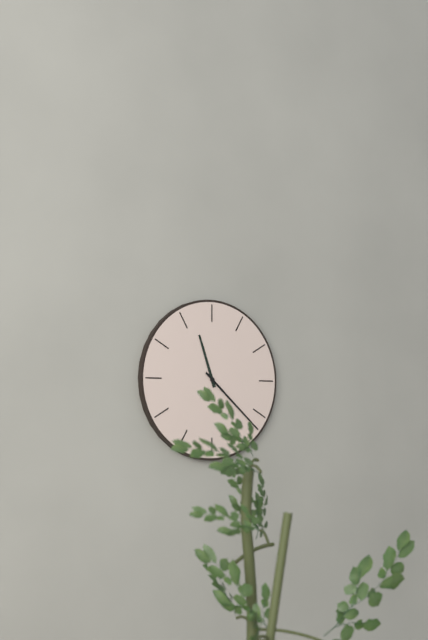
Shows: h=11 m=22
